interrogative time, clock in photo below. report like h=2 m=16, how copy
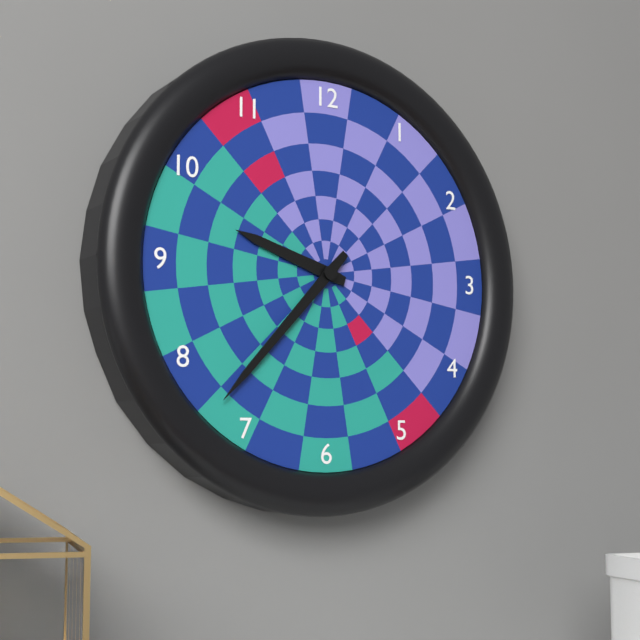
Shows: h=9 m=37
